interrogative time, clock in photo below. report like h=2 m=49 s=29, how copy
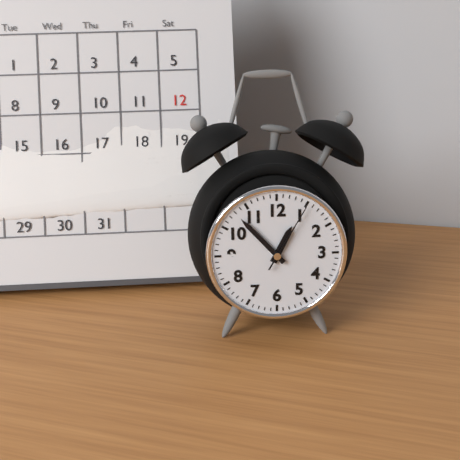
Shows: h=12 m=53 s=5
